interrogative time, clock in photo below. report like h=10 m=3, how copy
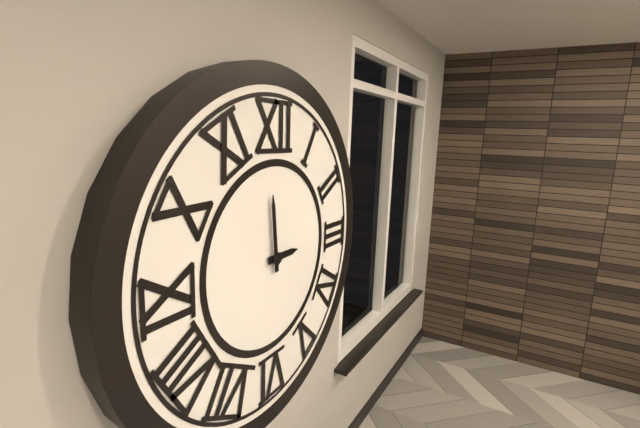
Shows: h=2 m=59
